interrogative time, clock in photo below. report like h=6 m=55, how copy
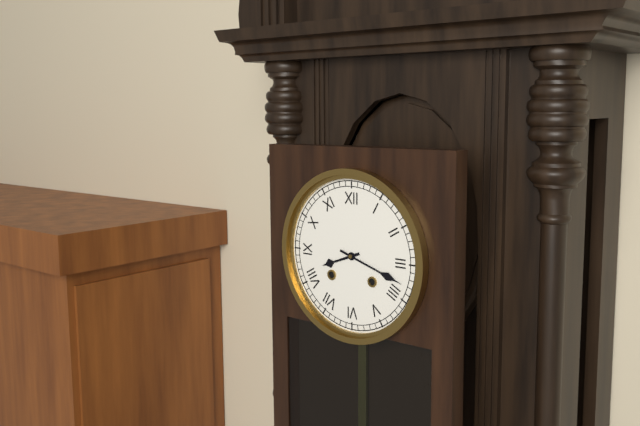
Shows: h=8 m=18
